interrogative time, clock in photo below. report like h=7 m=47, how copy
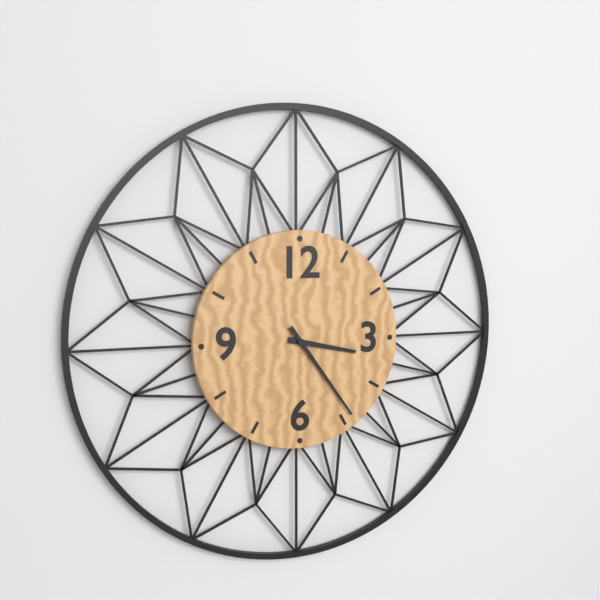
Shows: h=3 m=24
